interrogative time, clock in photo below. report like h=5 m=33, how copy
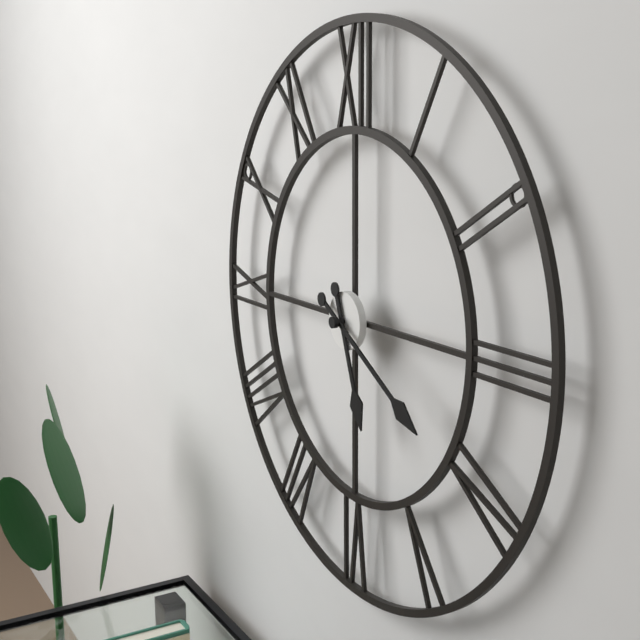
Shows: h=5 m=20
